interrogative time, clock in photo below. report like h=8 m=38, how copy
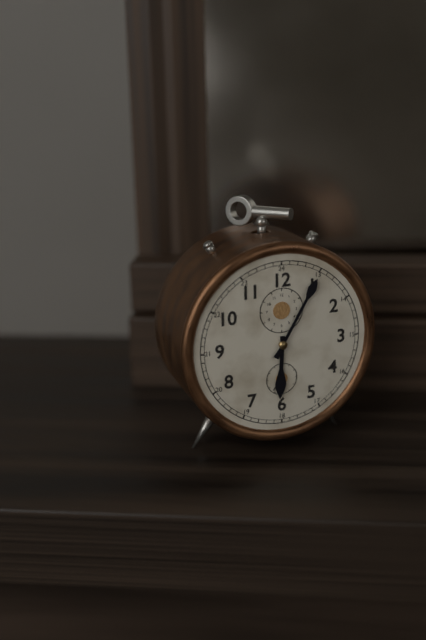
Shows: h=6 m=5
